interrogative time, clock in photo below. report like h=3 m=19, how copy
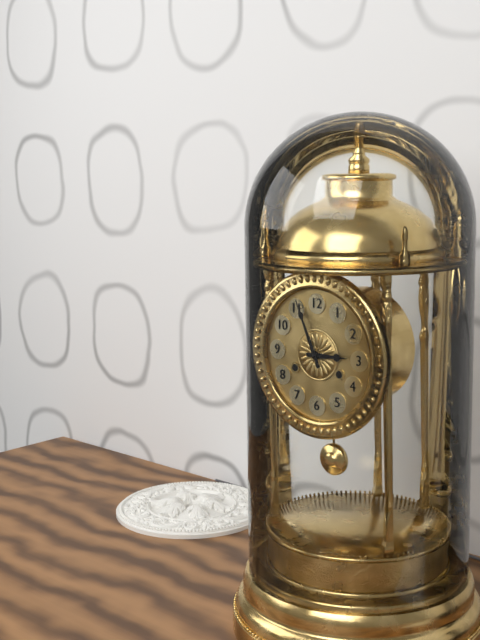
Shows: h=2 m=56
